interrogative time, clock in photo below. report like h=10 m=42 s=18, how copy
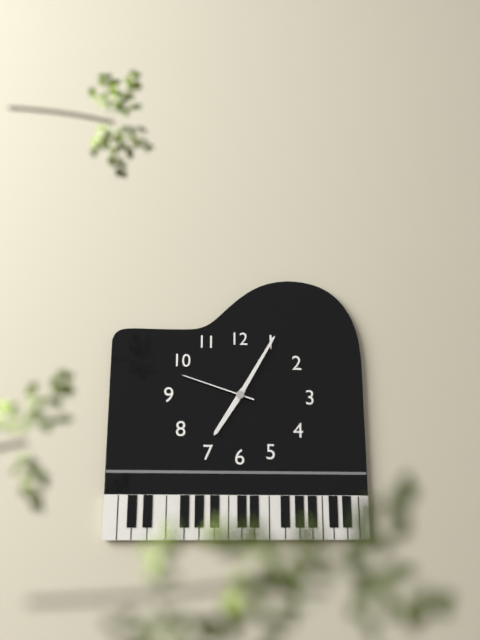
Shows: h=7 m=5 s=48
